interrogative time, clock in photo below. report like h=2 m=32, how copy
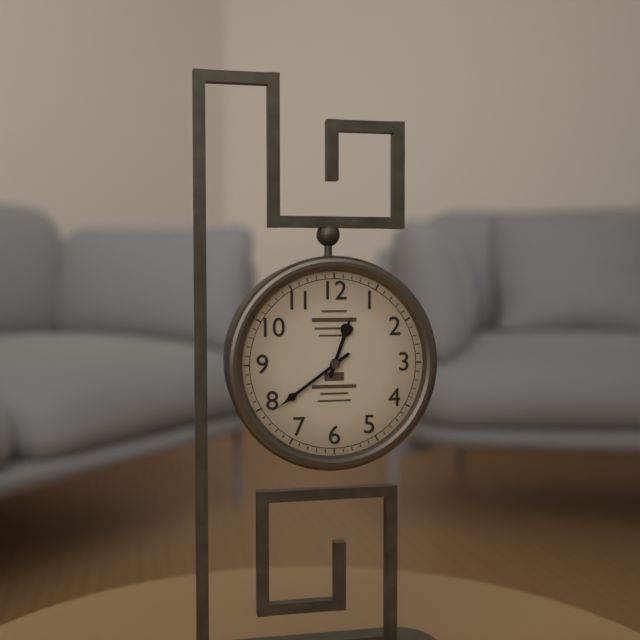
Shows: h=12 m=39
